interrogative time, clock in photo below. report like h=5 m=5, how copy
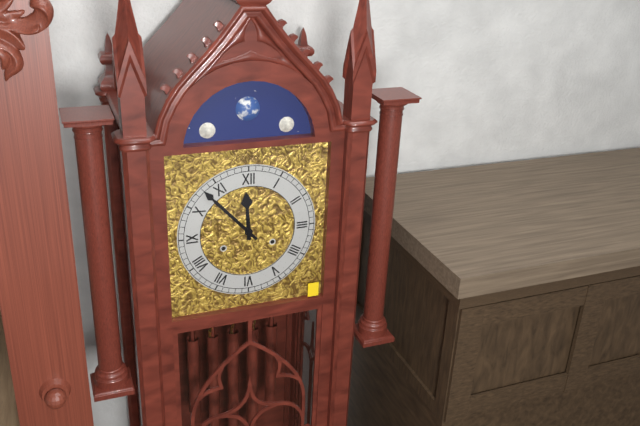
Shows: h=11 m=53
